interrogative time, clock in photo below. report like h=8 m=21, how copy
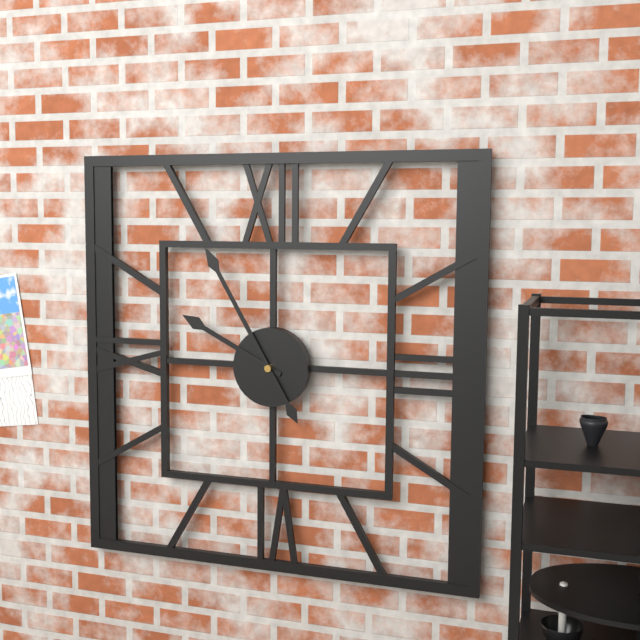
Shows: h=9 m=55
